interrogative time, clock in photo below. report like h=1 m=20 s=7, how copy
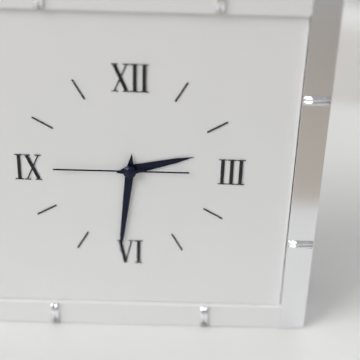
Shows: h=2 m=31 s=45
